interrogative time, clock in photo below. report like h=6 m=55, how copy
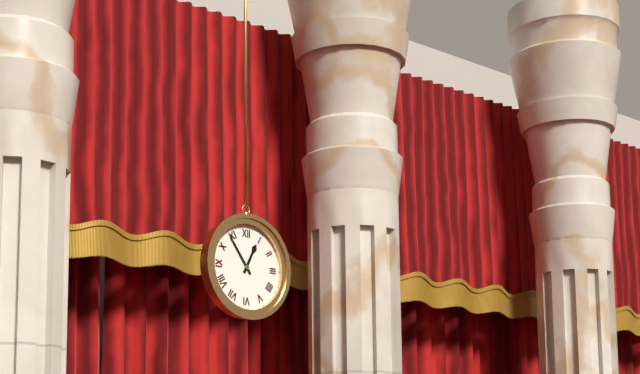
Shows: h=12 m=54
